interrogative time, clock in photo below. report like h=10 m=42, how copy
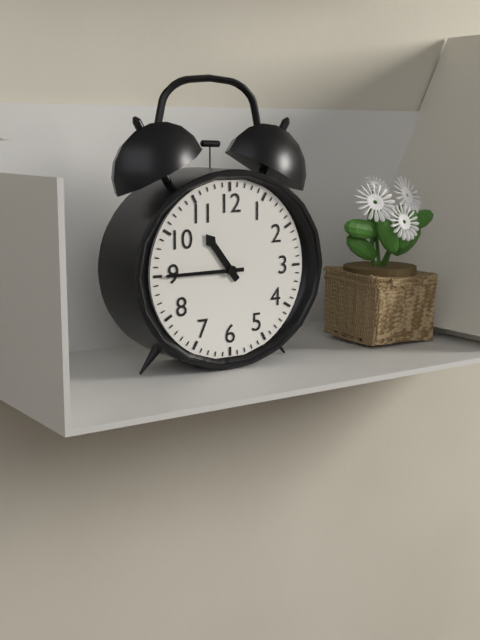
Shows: h=10 m=45
